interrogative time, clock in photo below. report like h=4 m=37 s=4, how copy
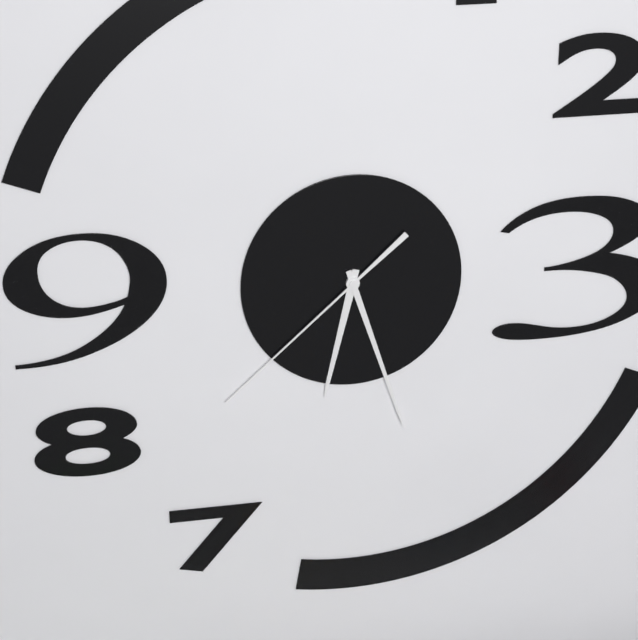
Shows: h=6 m=27 s=38
